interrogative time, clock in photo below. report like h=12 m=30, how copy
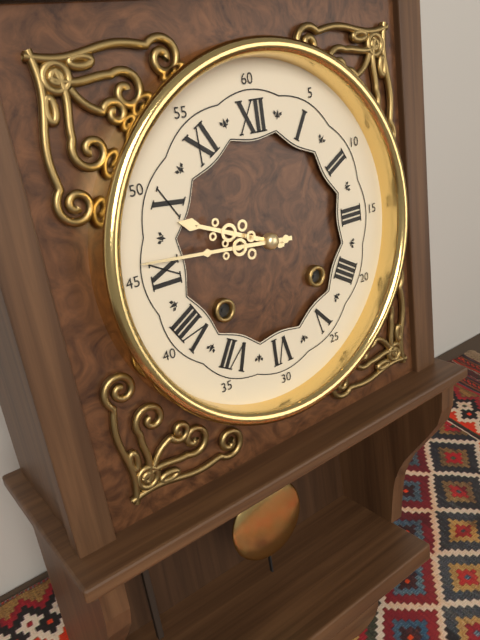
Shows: h=9 m=46
